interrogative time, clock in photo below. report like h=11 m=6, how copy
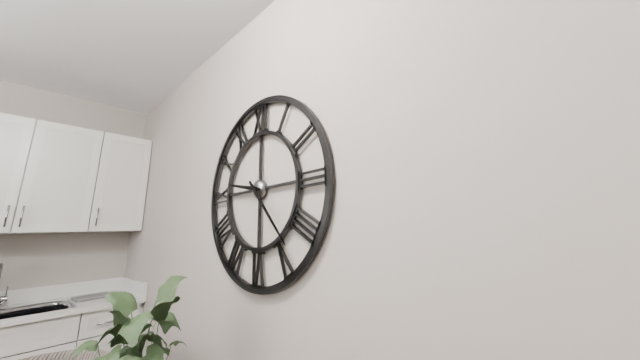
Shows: h=9 m=23
